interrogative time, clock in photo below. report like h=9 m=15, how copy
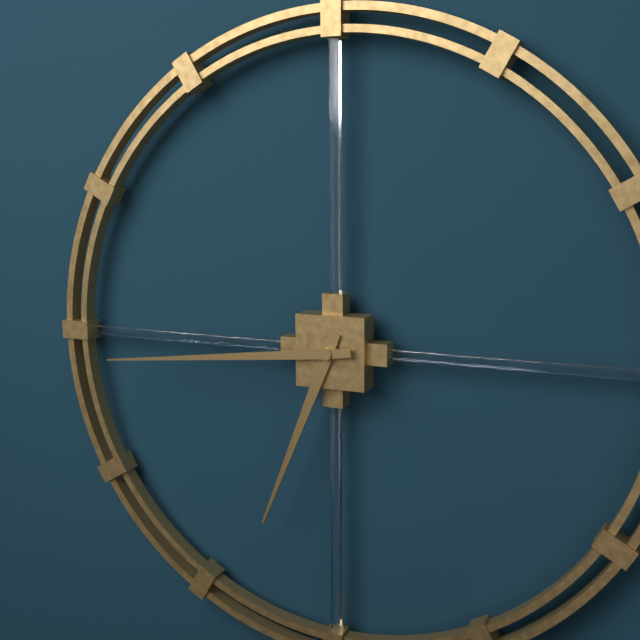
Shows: h=6 m=44
